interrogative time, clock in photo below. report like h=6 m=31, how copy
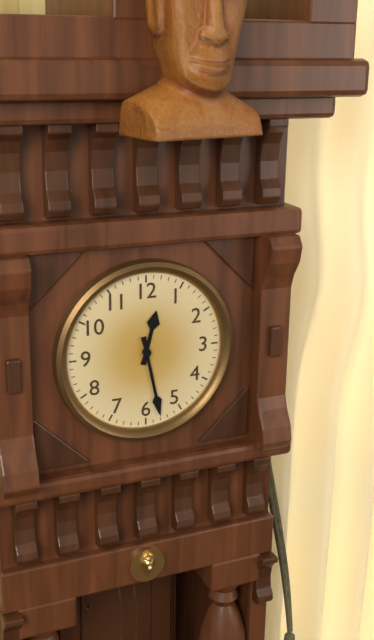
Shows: h=12 m=28
